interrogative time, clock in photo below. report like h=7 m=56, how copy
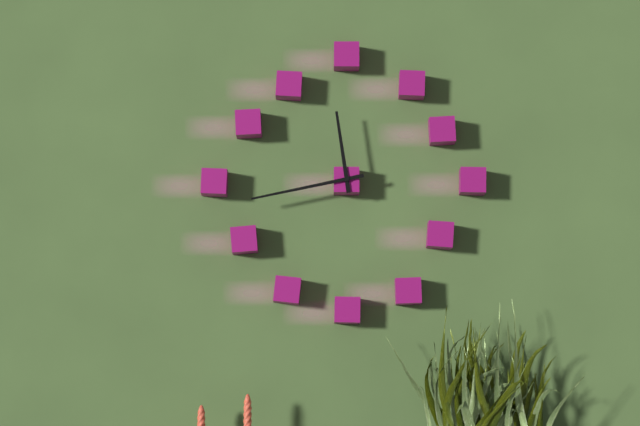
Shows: h=11 m=43
